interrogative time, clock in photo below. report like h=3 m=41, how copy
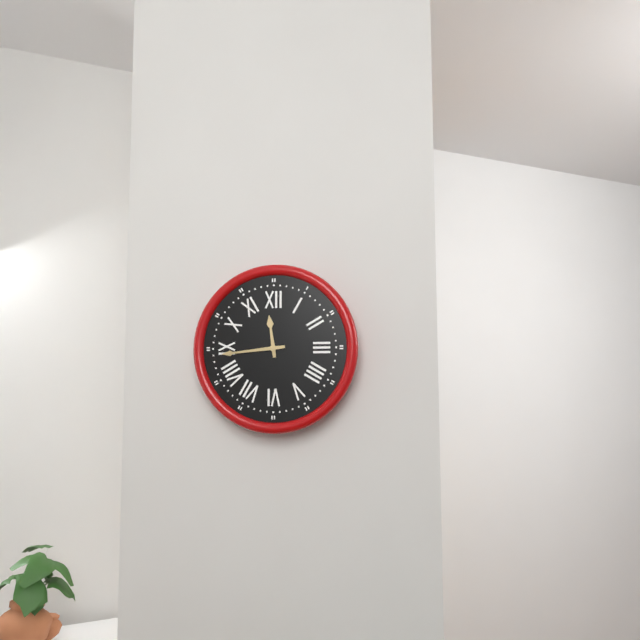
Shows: h=11 m=44
